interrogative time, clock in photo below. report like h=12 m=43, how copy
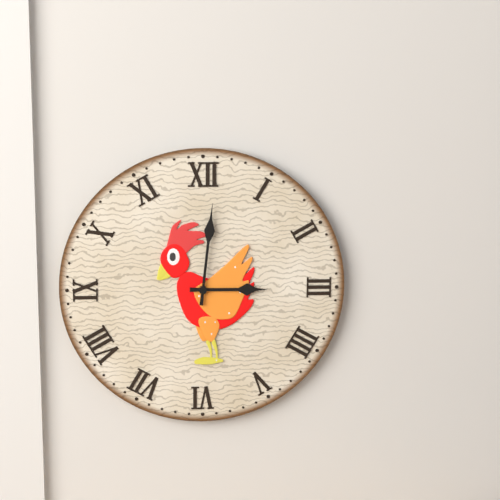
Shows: h=3 m=1
